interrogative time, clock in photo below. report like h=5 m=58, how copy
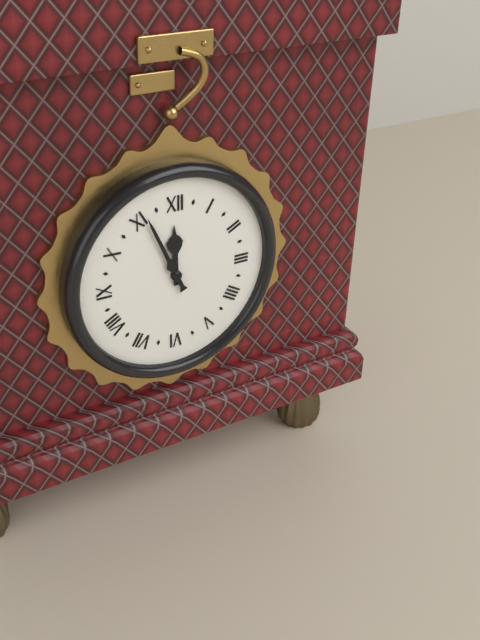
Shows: h=11 m=56
